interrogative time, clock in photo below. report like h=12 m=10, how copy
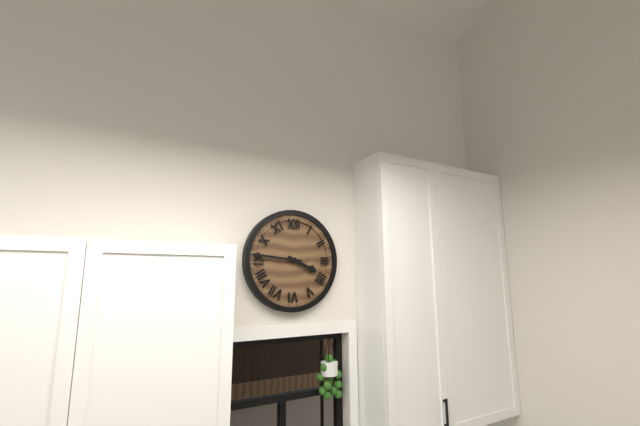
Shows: h=3 m=46
